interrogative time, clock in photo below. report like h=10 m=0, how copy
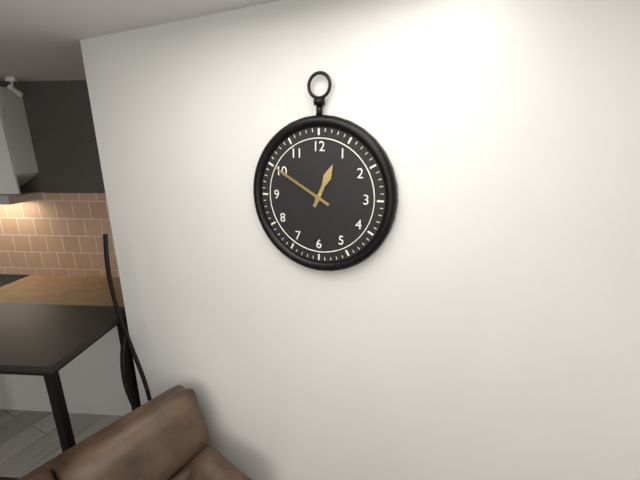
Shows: h=12 m=50
